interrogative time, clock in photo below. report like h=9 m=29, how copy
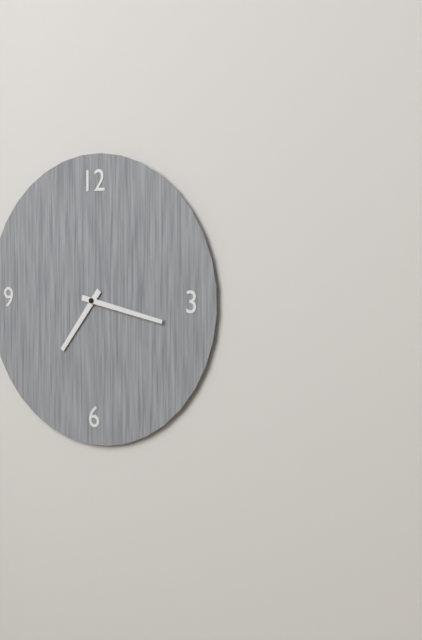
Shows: h=7 m=17
